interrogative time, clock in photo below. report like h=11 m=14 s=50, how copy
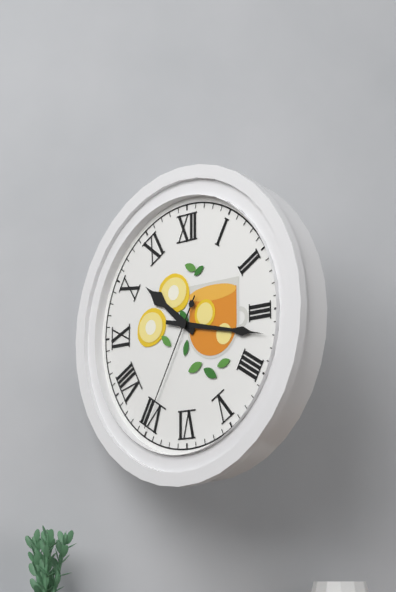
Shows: h=10 m=17 s=35
